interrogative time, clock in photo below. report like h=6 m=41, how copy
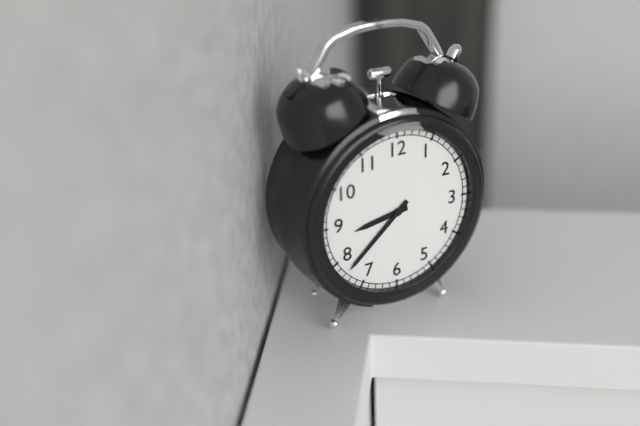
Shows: h=8 m=38
